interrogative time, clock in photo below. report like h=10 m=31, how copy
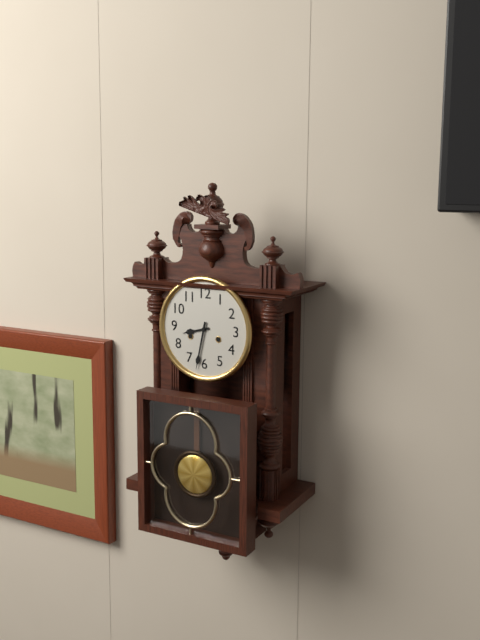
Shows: h=8 m=32
